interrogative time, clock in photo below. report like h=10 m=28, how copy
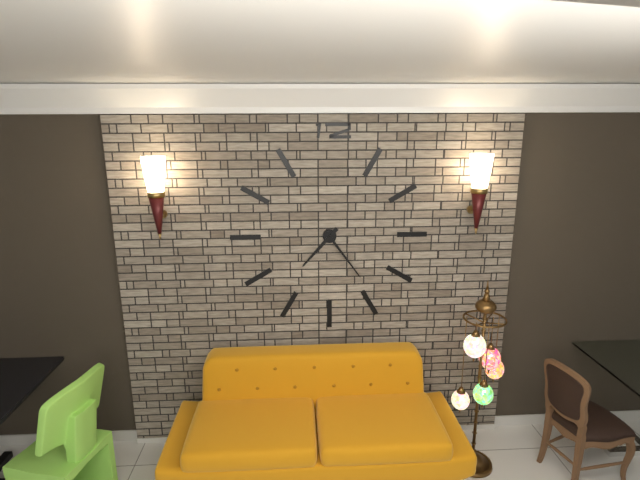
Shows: h=7 m=24
